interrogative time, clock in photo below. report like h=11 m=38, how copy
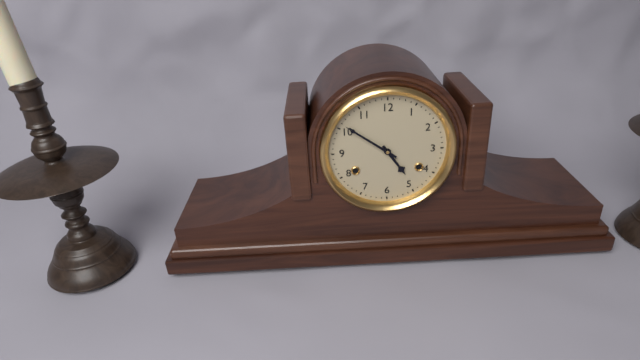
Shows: h=4 m=51
